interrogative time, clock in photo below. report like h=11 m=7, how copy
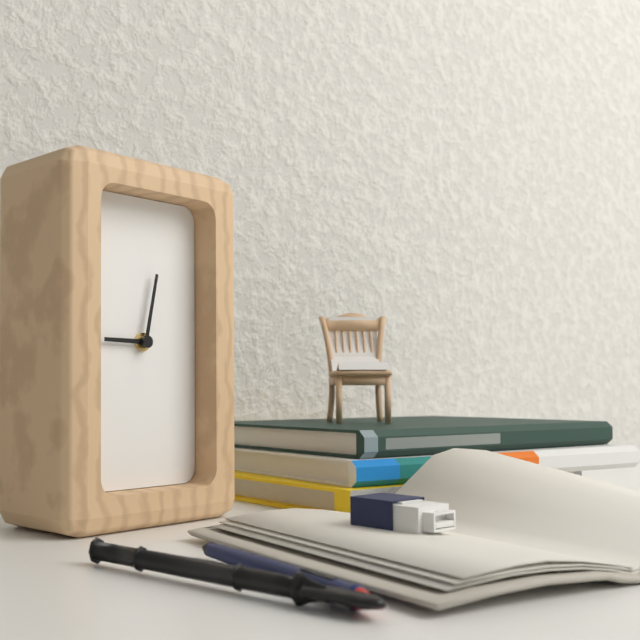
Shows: h=9 m=2
